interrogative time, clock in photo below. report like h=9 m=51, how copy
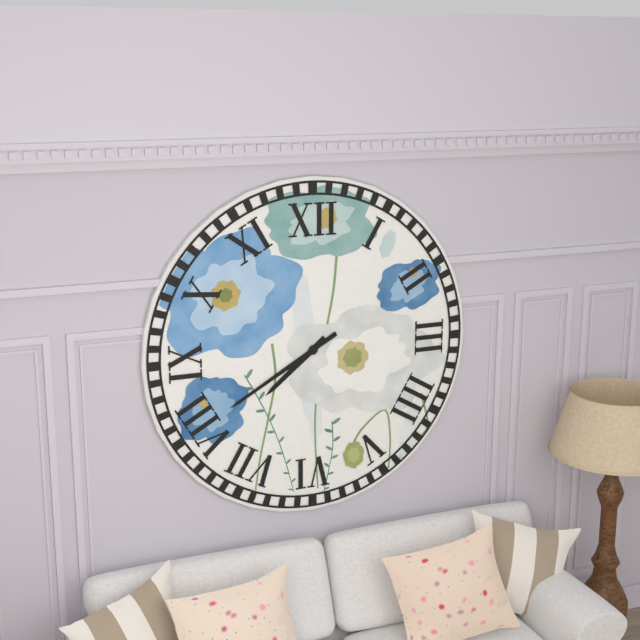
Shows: h=7 m=40
